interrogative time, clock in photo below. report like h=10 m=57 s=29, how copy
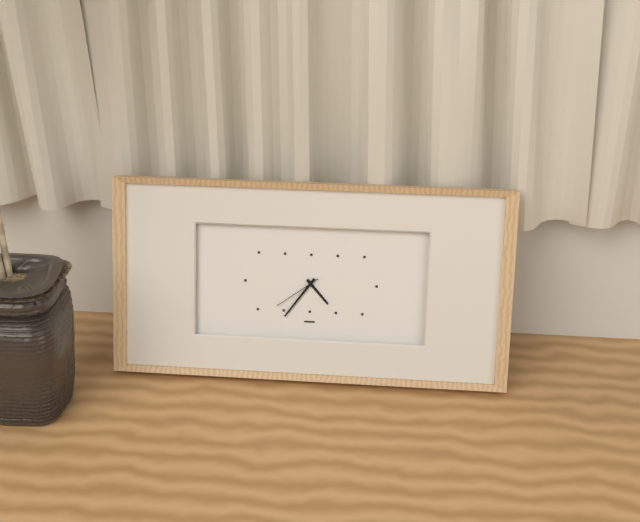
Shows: h=4 m=36 s=39
